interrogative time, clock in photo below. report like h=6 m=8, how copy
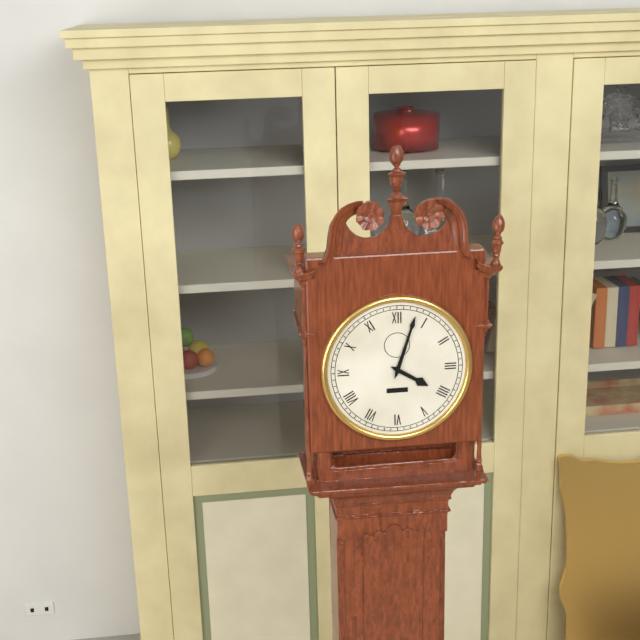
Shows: h=4 m=3
